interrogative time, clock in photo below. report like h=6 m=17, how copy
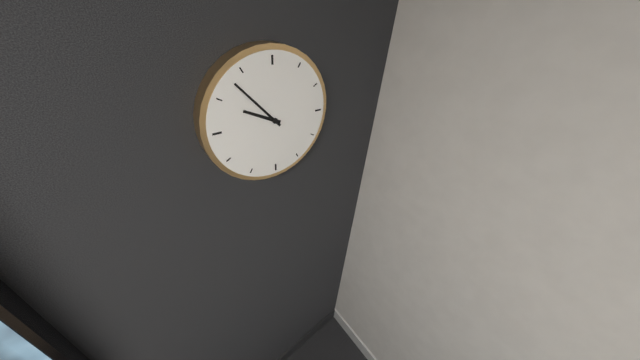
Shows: h=9 m=53
